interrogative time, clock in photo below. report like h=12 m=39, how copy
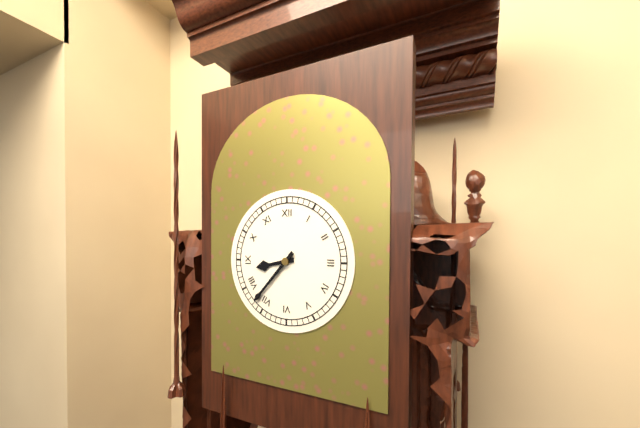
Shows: h=8 m=37
